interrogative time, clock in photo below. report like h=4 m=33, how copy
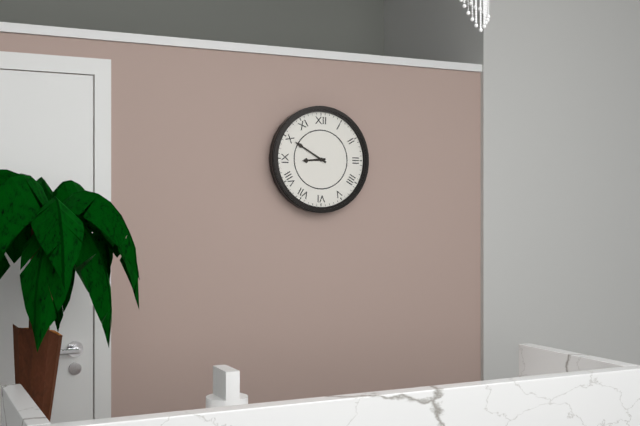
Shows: h=8 m=50
